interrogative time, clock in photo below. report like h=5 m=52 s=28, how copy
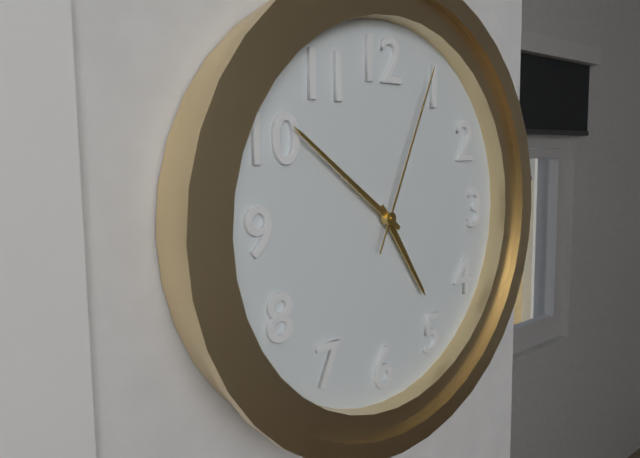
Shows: h=4 m=51 s=4
